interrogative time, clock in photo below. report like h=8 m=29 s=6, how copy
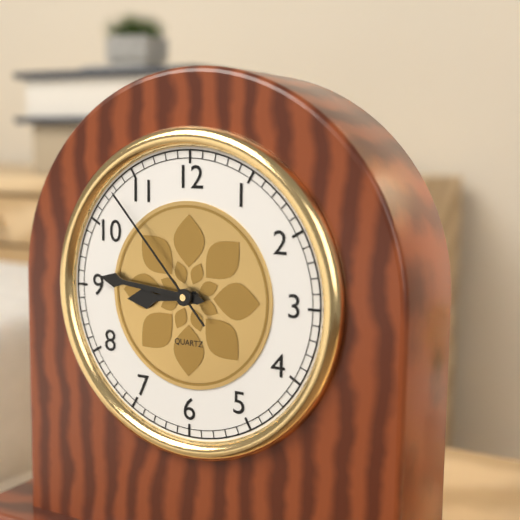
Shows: h=8 m=46 s=53
